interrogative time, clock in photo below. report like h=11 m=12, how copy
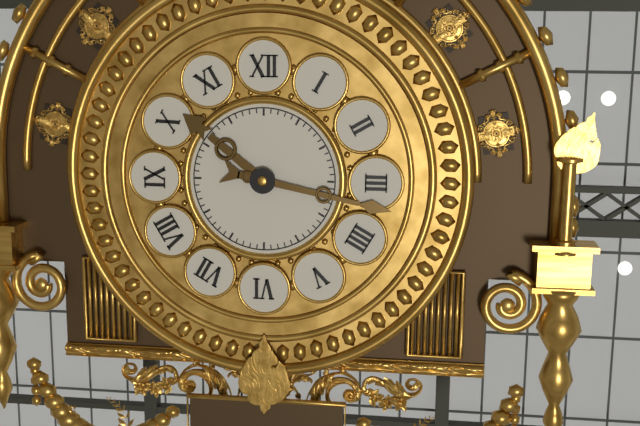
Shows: h=10 m=17
